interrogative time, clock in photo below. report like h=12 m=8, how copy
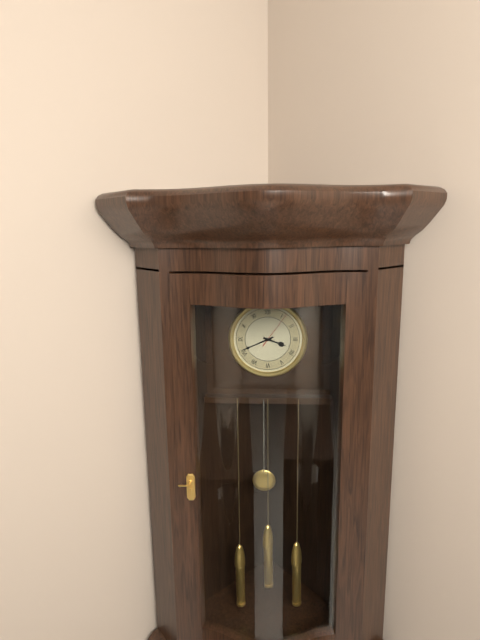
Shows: h=3 m=41
